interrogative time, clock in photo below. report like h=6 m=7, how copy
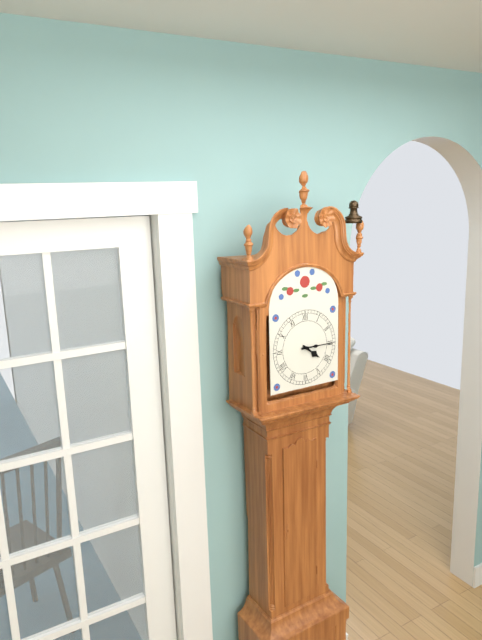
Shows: h=4 m=15
